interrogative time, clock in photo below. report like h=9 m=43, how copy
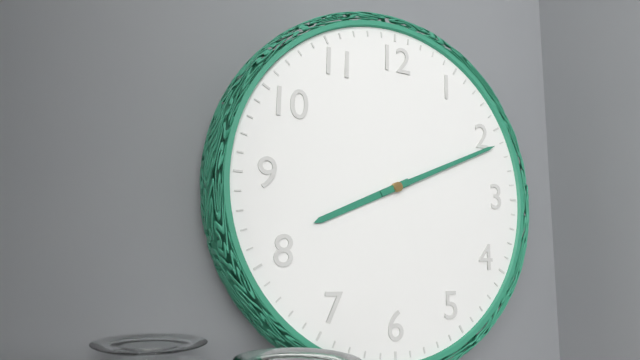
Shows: h=8 m=11
